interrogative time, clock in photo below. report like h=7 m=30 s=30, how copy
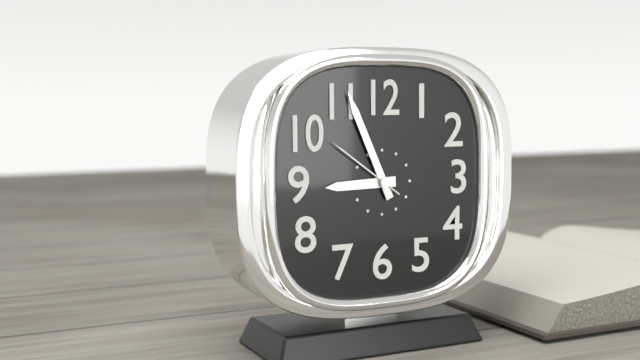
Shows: h=8 m=56 s=51
